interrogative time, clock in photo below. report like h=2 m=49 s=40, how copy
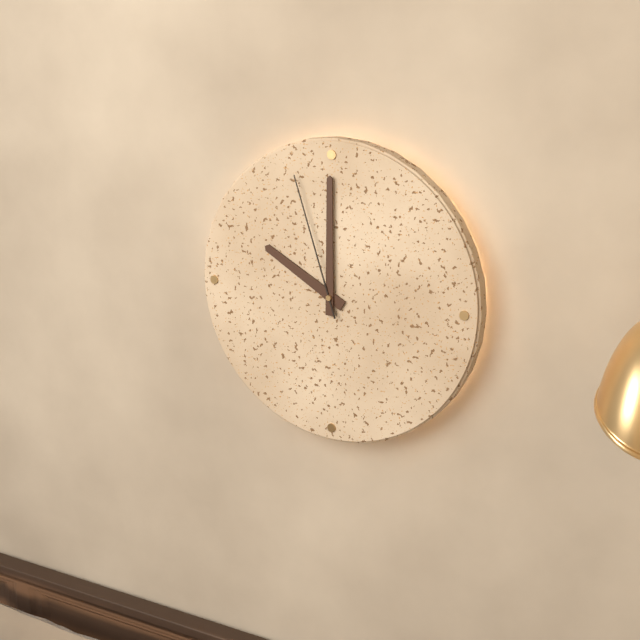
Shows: h=10 m=0 s=57
